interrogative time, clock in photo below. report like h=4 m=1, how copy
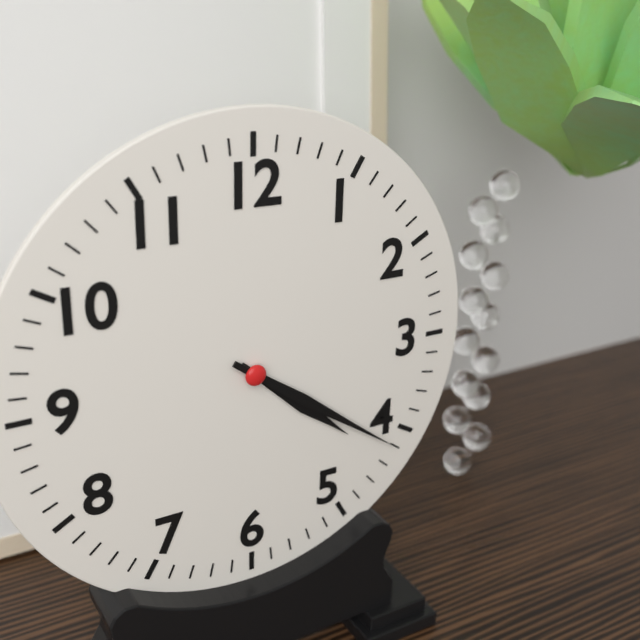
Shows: h=4 m=21
